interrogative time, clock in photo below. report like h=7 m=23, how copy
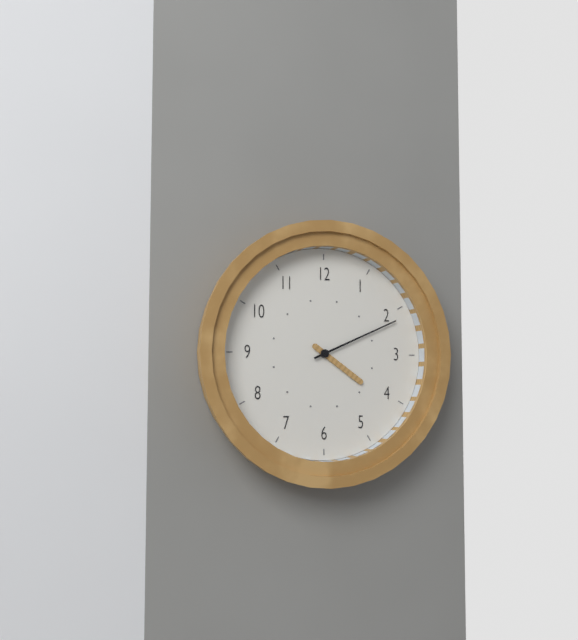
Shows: h=4 m=11
